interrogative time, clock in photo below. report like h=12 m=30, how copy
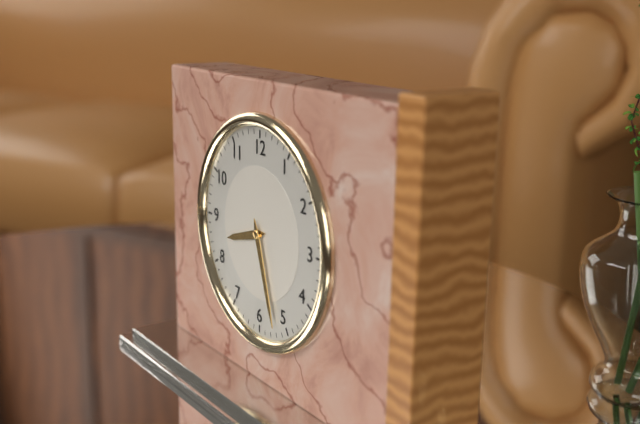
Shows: h=8 m=27
